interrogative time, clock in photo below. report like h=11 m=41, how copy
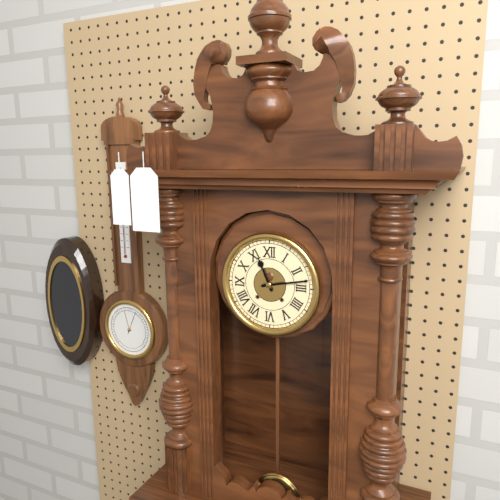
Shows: h=11 m=13
